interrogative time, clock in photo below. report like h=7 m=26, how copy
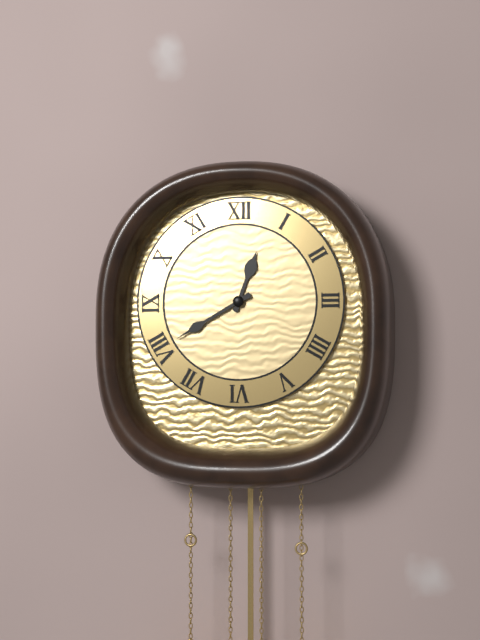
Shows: h=12 m=40
